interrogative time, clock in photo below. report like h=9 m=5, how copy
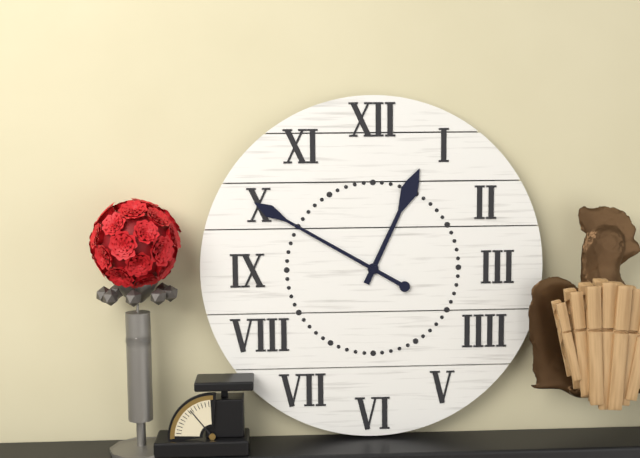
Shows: h=12 m=50
